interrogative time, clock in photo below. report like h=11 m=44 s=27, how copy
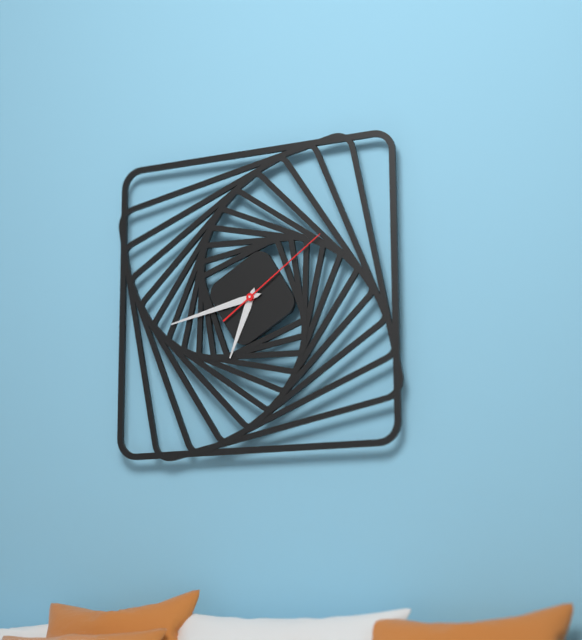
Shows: h=6 m=43 s=9
